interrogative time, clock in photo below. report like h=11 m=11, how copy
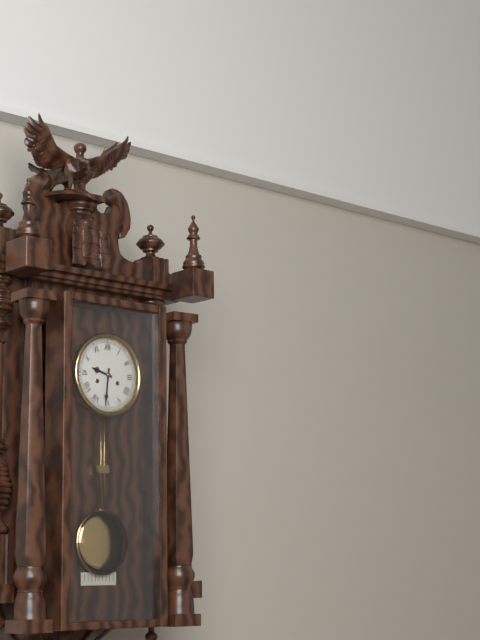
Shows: h=9 m=31
